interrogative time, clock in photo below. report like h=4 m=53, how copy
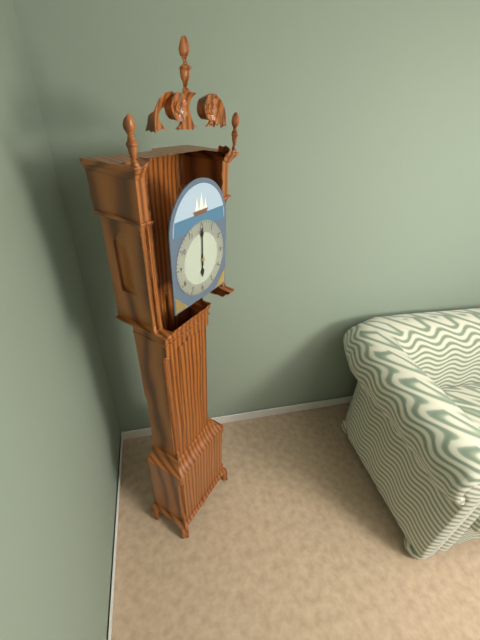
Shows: h=6 m=0
